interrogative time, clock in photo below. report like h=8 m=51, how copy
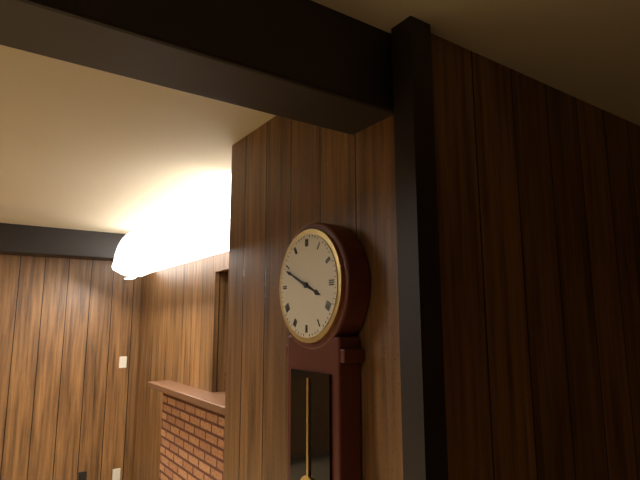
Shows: h=3 m=49
